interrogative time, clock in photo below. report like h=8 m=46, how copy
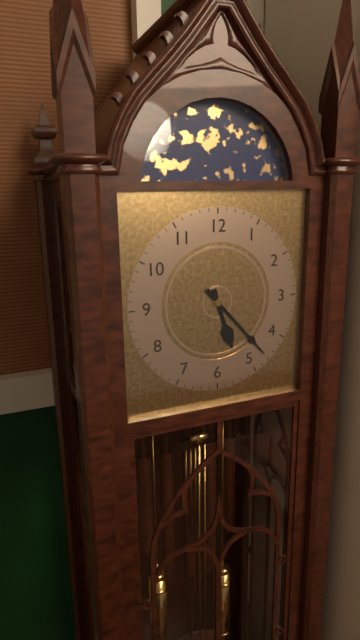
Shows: h=5 m=23
